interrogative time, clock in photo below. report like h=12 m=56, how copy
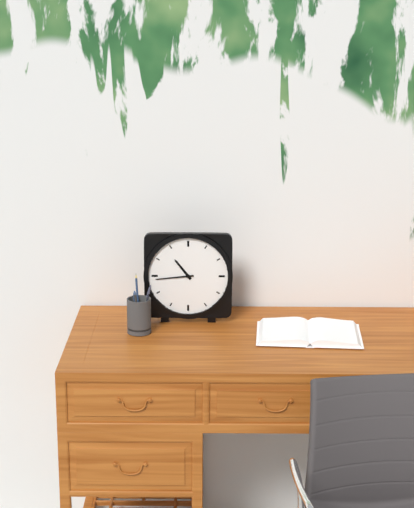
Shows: h=10 m=44
